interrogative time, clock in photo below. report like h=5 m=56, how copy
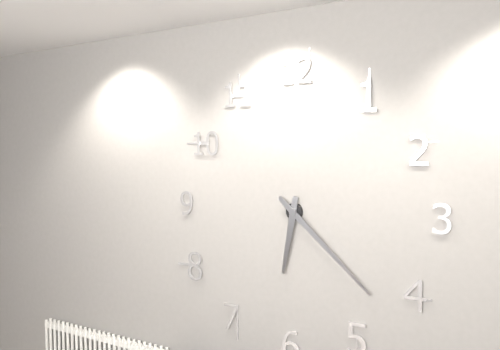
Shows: h=6 m=22
